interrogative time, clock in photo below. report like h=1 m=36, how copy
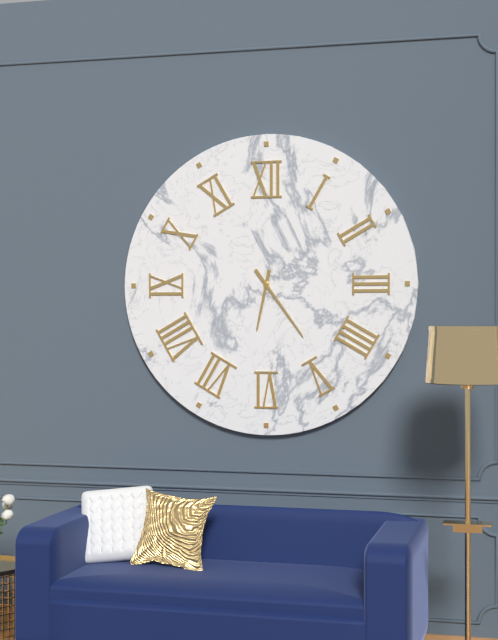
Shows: h=6 m=24
